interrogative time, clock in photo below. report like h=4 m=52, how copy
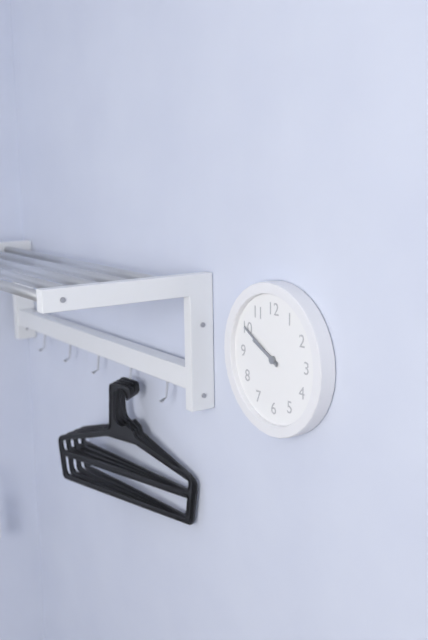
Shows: h=9 m=50
